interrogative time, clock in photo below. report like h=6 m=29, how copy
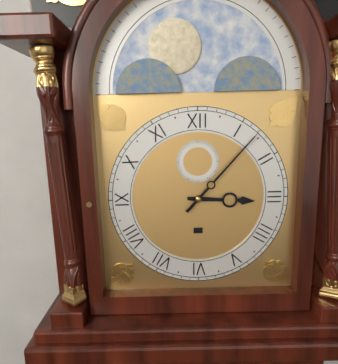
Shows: h=3 m=7
